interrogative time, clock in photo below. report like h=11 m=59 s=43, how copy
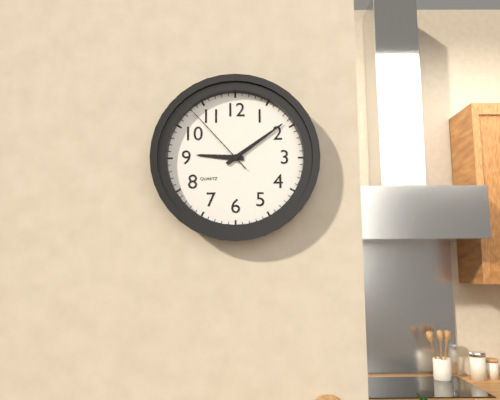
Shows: h=9 m=9 s=53
